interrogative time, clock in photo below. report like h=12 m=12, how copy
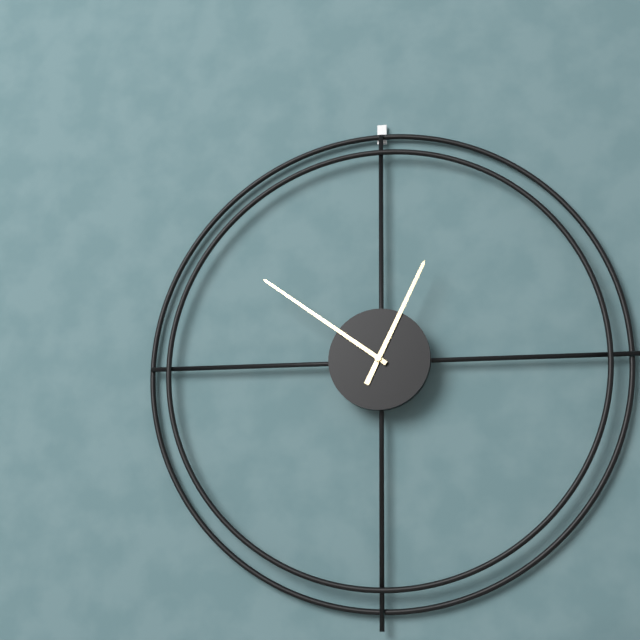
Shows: h=12 m=51
